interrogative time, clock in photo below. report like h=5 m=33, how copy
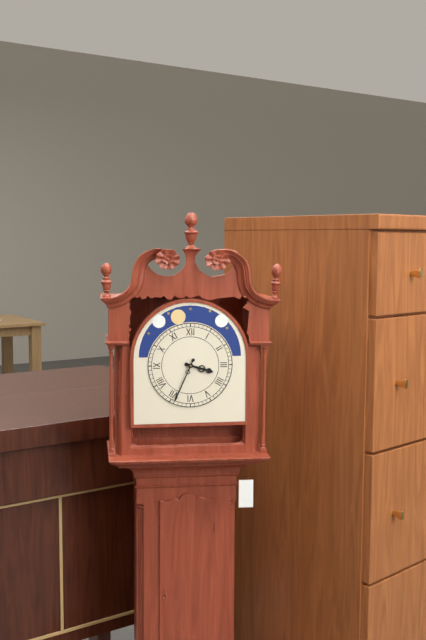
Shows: h=3 m=34
